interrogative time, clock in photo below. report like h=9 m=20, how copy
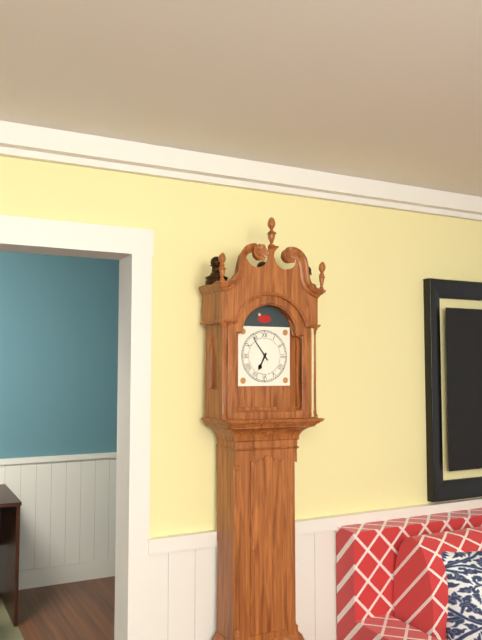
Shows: h=6 m=54
